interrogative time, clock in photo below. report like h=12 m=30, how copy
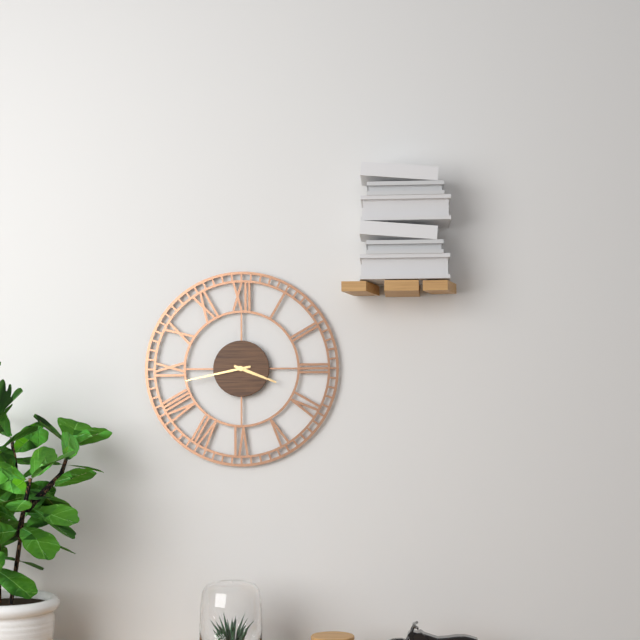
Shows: h=3 m=43
